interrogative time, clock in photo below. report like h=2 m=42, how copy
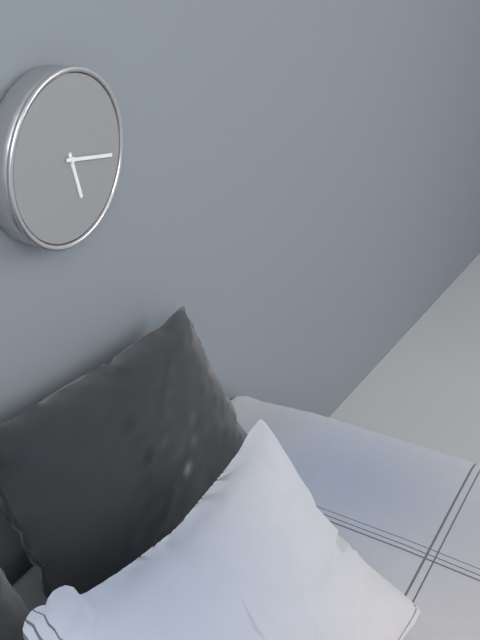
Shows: h=5 m=16
